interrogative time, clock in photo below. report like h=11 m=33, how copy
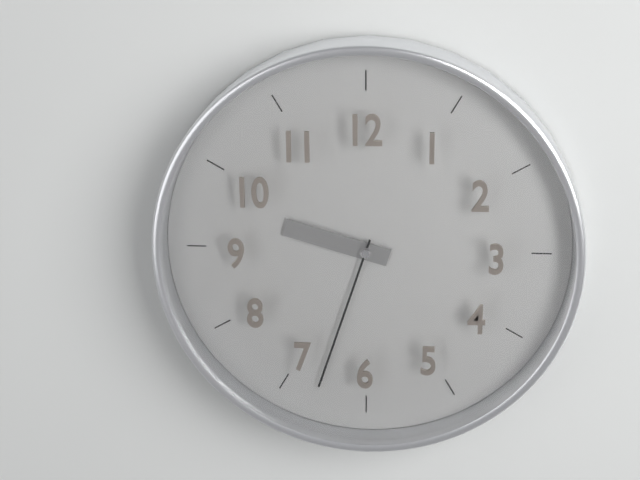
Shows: h=9 m=33
